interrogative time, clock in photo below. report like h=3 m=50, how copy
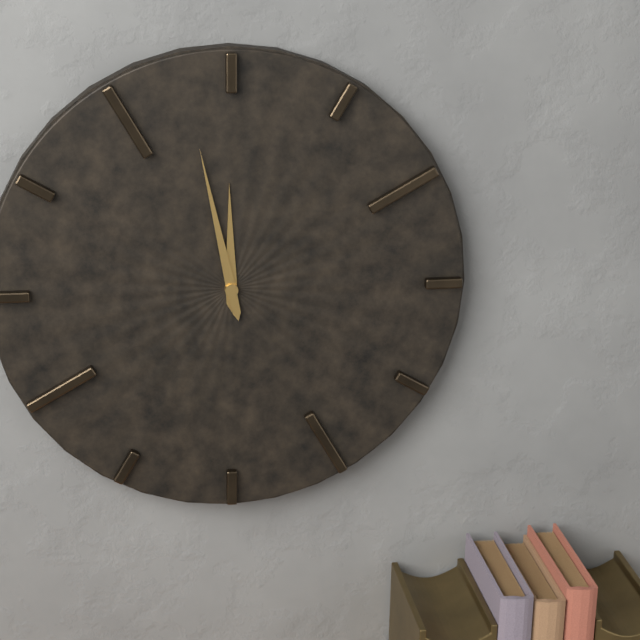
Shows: h=11 m=58
